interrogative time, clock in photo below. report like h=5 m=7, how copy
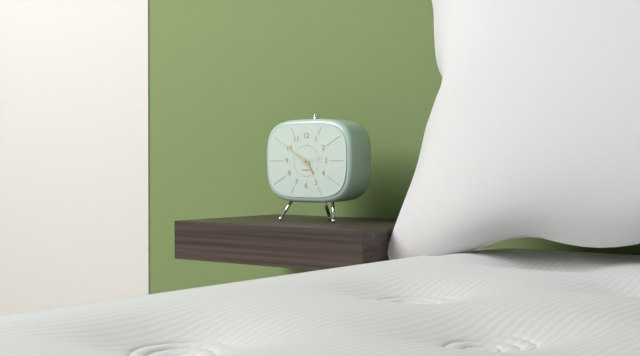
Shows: h=4 m=50
